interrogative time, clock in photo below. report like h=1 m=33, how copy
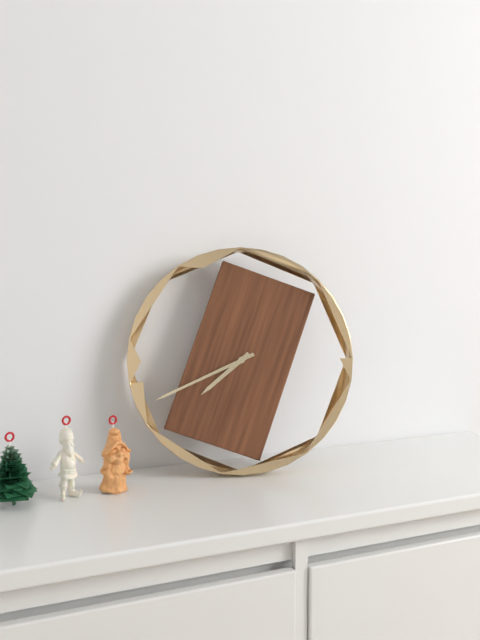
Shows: h=7 m=41
